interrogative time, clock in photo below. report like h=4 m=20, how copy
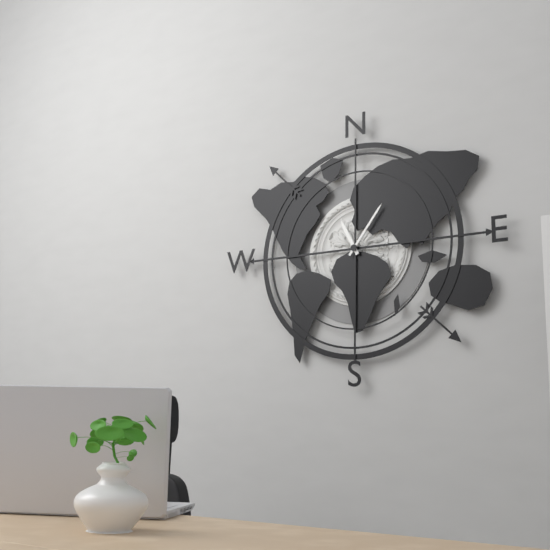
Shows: h=11 m=6
